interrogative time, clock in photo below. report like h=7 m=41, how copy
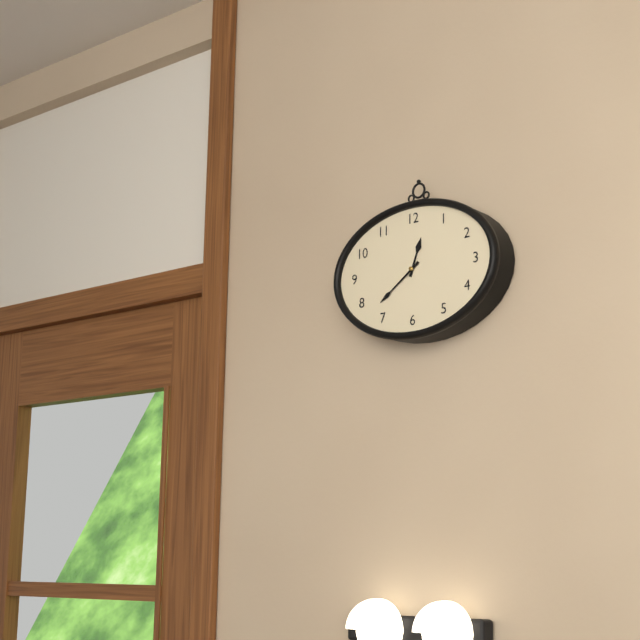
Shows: h=12 m=39
